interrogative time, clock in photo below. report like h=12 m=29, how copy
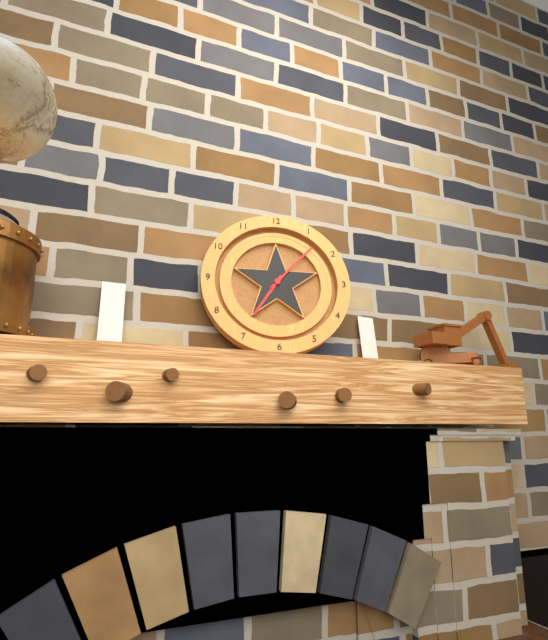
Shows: h=7 m=7
